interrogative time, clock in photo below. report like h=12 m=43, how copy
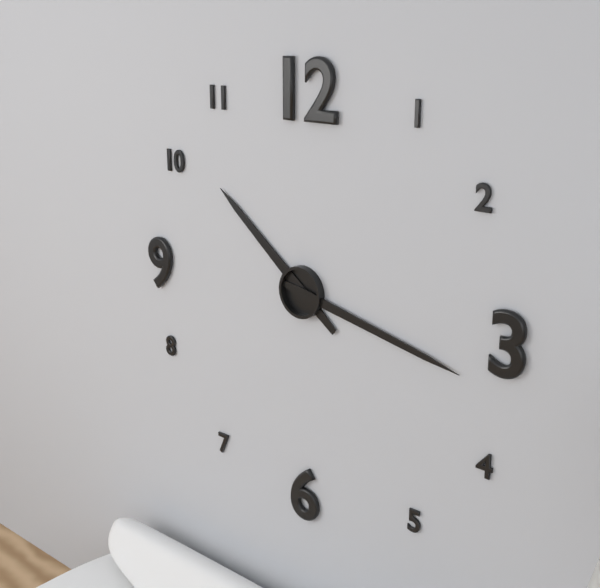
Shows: h=10 m=17
